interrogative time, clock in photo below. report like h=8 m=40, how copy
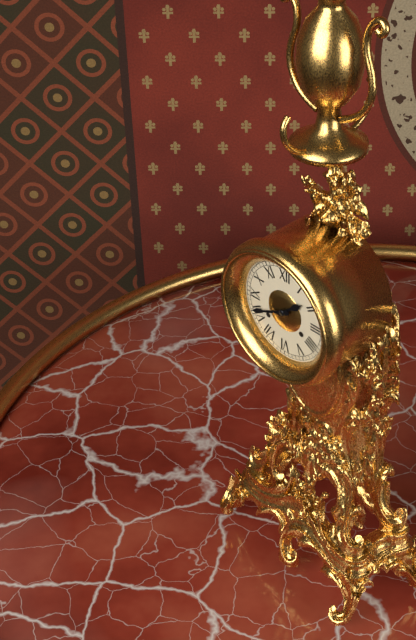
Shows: h=1 m=41
